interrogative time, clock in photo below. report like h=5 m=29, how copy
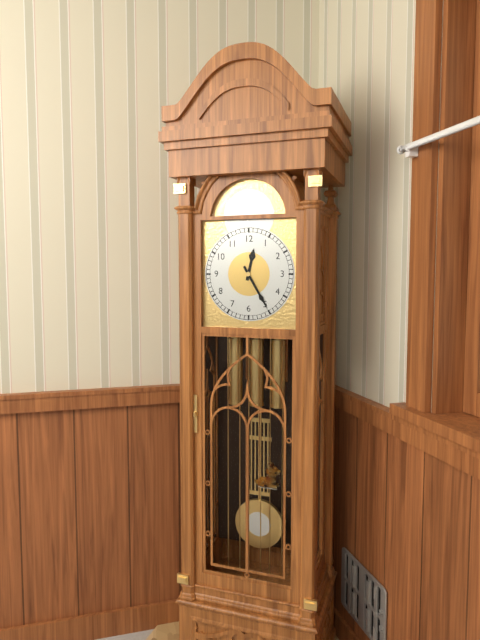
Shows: h=12 m=25
